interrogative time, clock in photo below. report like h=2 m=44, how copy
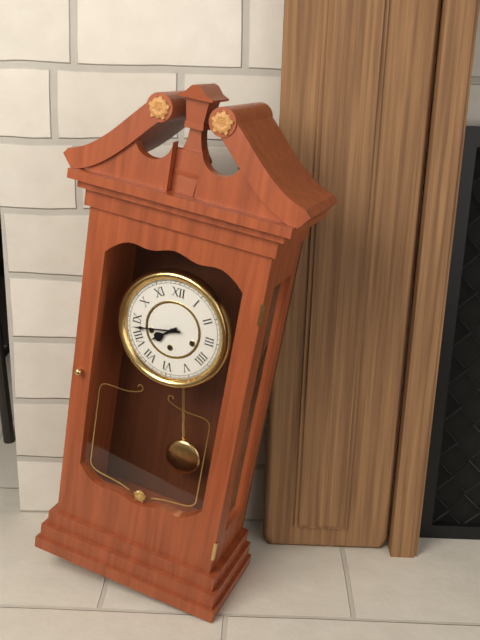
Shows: h=7 m=43
